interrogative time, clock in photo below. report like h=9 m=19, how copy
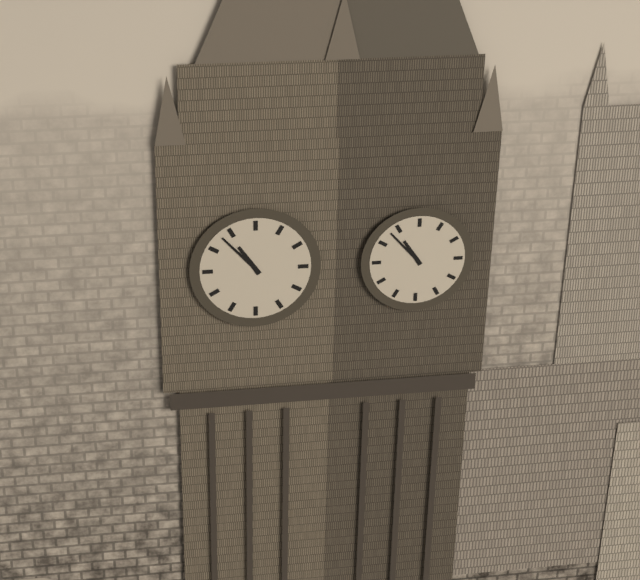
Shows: h=10 m=53
